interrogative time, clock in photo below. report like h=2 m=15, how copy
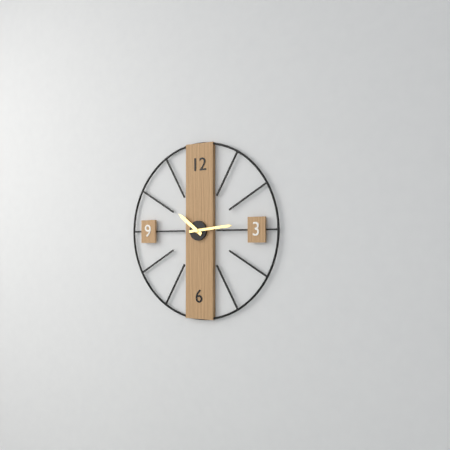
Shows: h=10 m=14
